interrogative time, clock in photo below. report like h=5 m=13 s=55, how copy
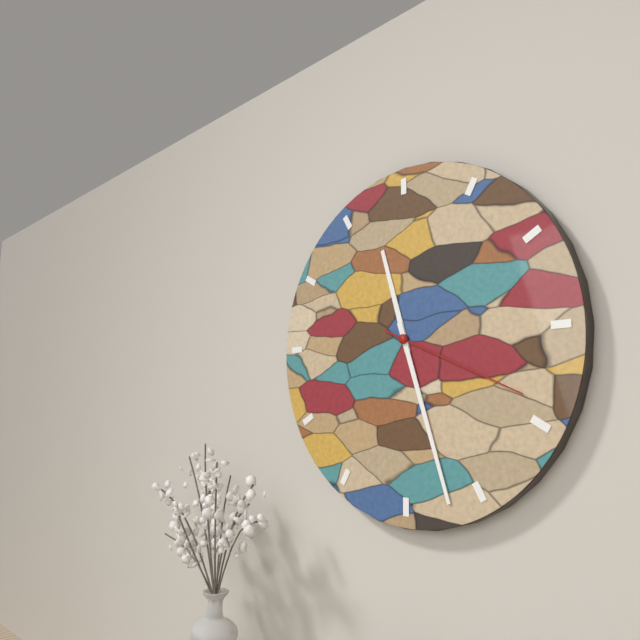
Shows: h=11 m=27 s=19
